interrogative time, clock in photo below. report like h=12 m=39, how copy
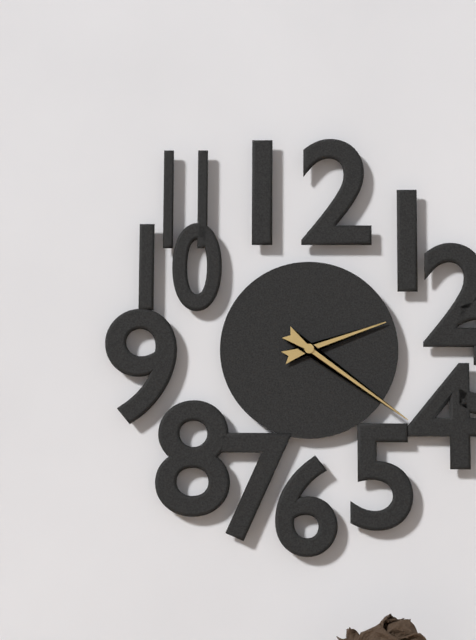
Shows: h=2 m=21
